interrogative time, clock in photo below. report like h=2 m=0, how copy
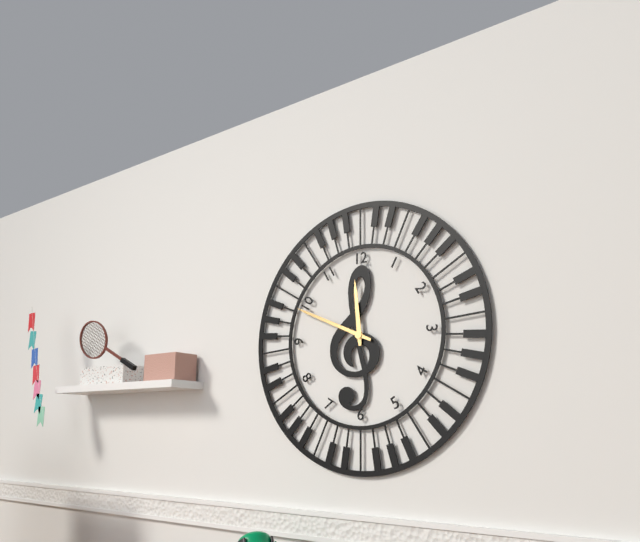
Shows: h=11 m=49
